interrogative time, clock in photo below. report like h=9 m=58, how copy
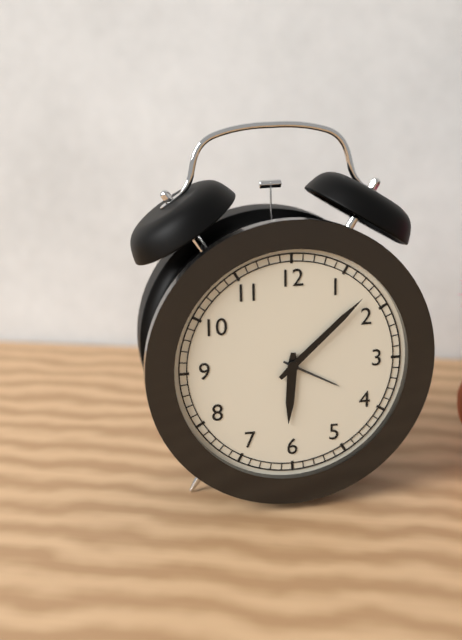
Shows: h=6 m=8
